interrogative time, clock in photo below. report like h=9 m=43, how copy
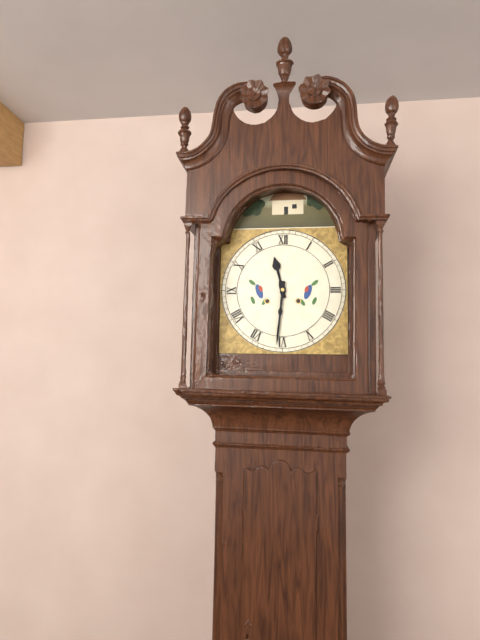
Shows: h=11 m=31
